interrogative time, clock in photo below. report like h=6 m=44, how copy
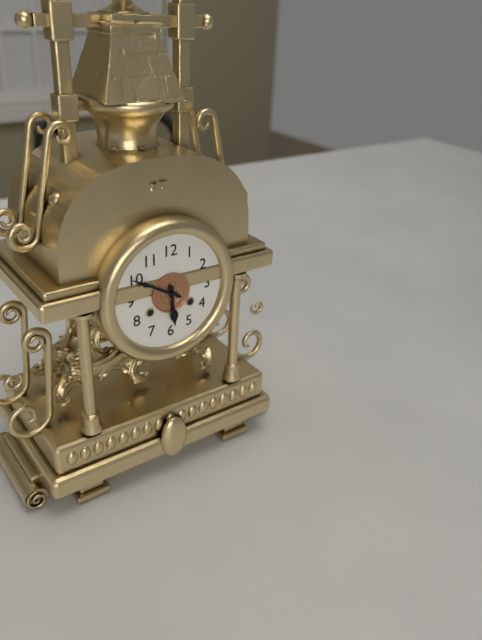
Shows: h=5 m=50
